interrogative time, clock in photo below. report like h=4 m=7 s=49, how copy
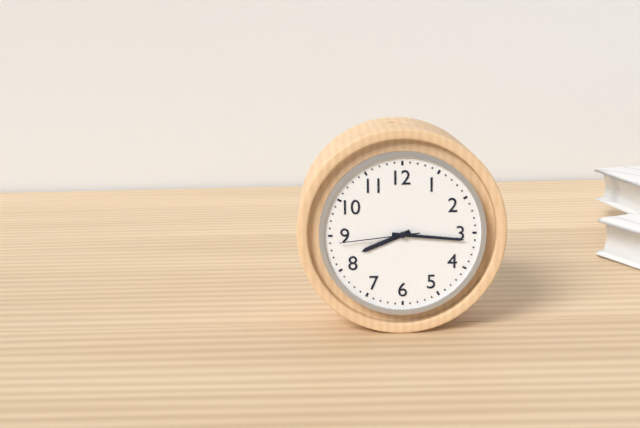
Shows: h=8 m=16 s=44
